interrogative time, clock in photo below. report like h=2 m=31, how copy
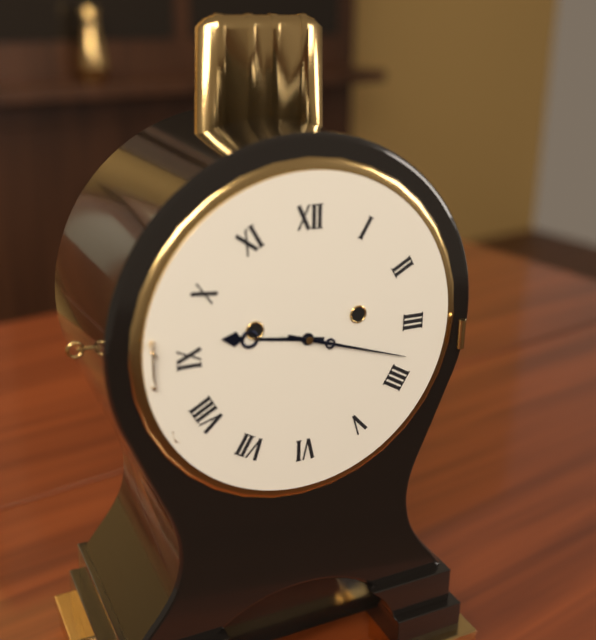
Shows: h=9 m=18
